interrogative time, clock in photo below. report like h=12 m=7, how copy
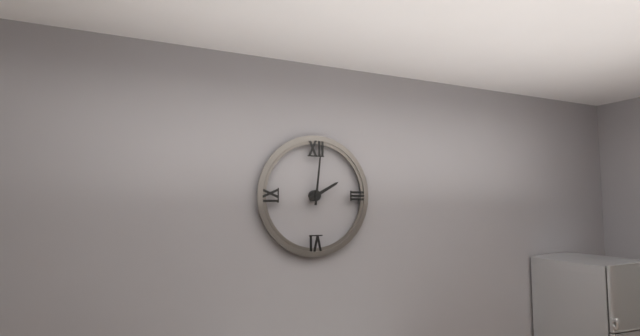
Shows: h=2 m=1
